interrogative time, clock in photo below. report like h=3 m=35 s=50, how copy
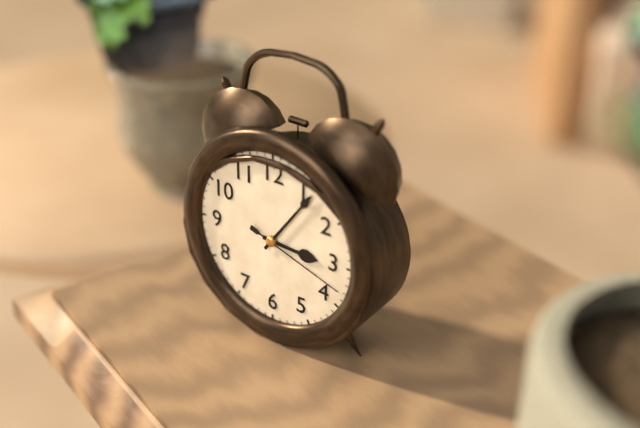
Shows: h=3 m=6 s=18
